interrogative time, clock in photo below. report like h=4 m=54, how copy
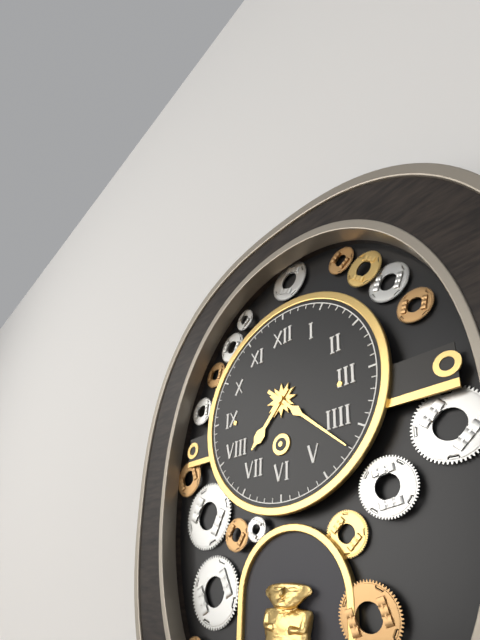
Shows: h=7 m=22
